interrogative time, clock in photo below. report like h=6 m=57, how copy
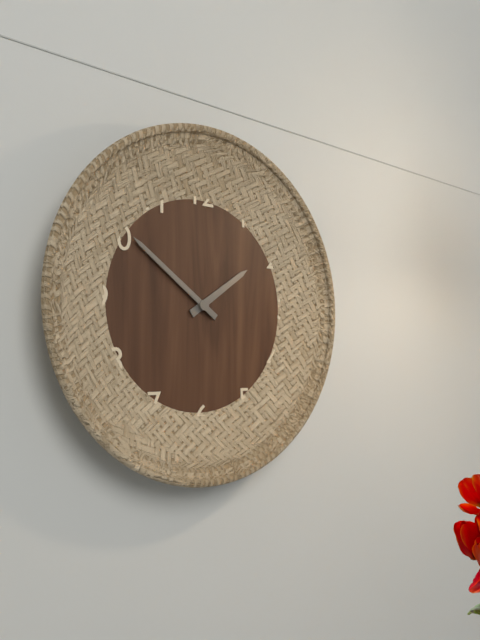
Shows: h=1 m=51
